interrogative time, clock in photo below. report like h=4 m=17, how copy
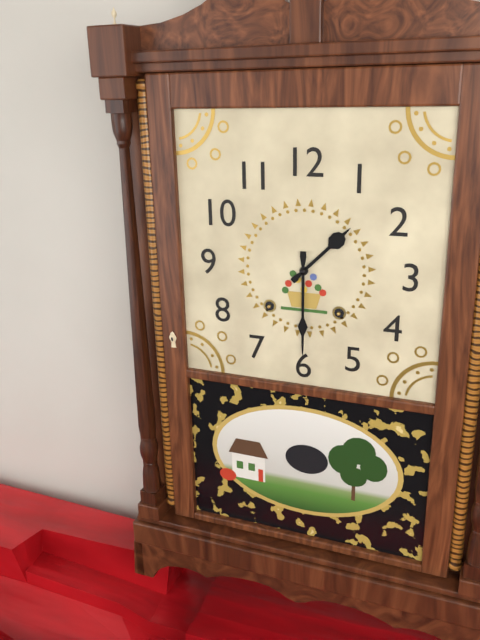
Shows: h=1 m=30
